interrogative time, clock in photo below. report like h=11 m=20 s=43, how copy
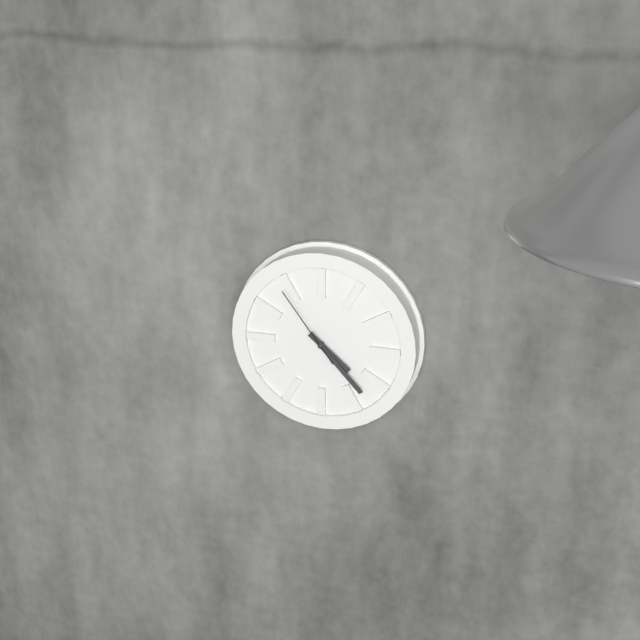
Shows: h=4 m=23 s=54
